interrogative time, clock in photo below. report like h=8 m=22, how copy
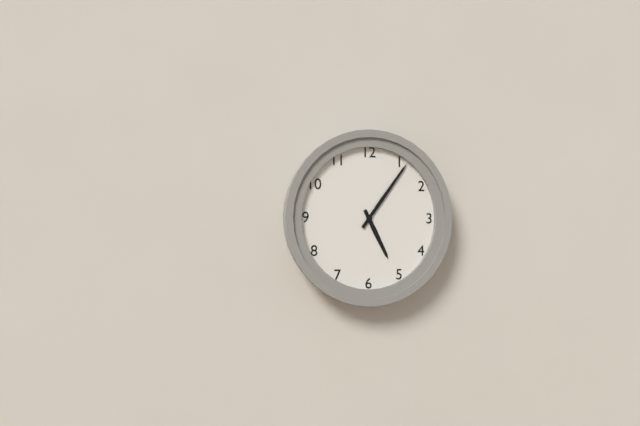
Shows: h=5 m=6
